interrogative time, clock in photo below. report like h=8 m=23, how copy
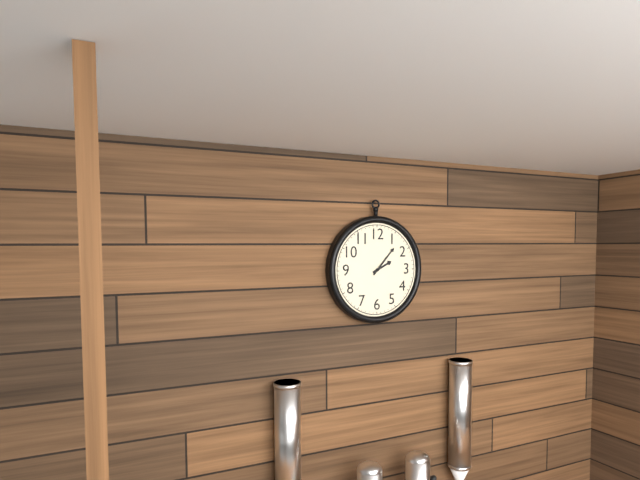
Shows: h=2 m=7
